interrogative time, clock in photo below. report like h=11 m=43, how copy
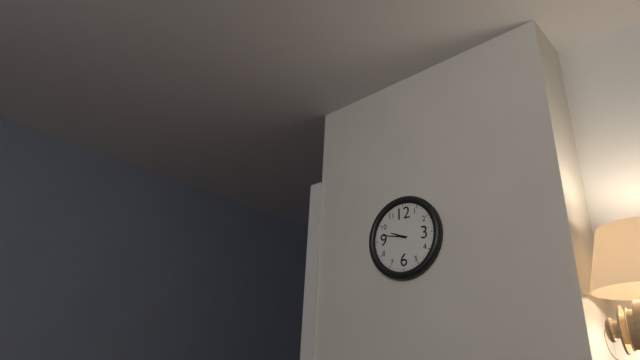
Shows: h=9 m=47
